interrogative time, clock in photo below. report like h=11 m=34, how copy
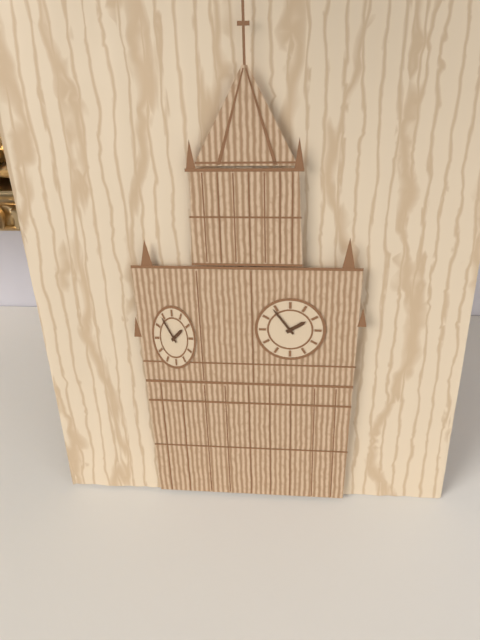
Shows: h=1 m=54
